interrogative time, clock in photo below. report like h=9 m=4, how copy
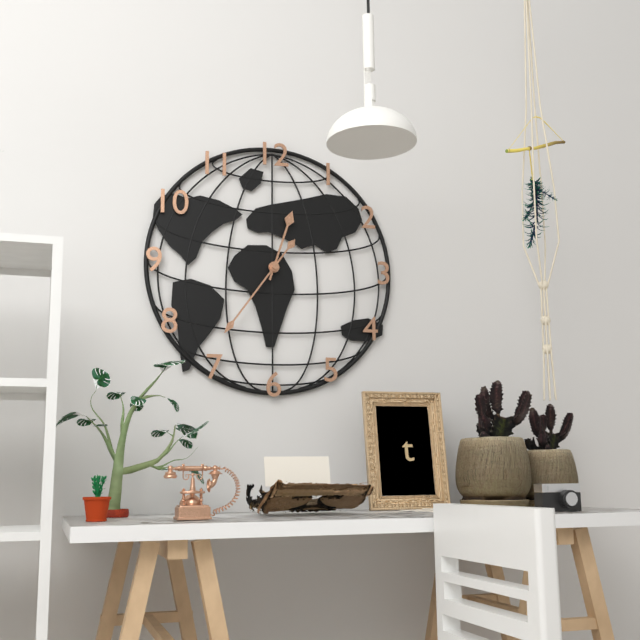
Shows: h=12 m=36
